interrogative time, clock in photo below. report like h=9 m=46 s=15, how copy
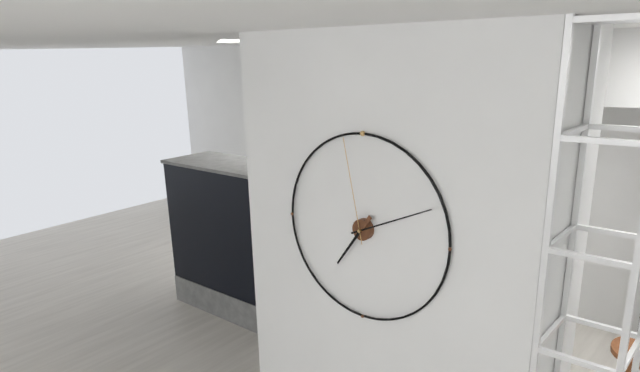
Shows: h=7 m=11 s=58
